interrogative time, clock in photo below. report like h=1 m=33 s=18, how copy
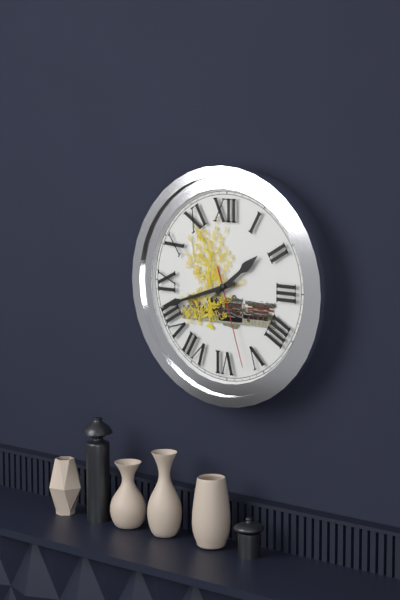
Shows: h=1 m=42 s=27
